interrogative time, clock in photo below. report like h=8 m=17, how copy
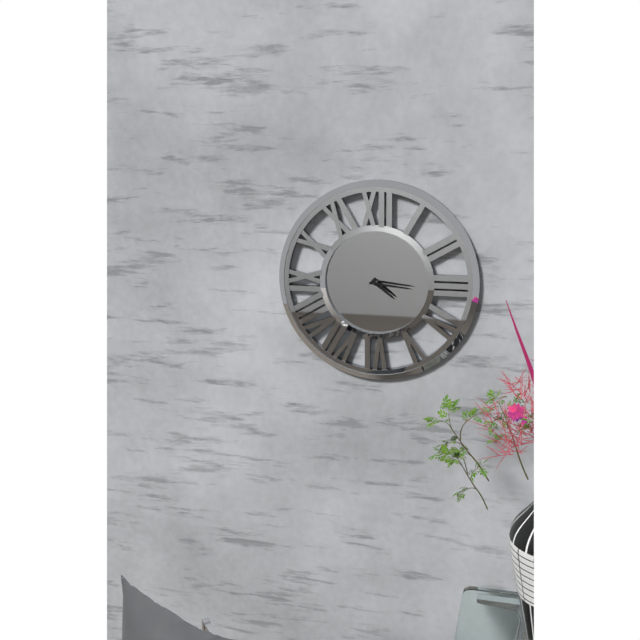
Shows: h=4 m=16
